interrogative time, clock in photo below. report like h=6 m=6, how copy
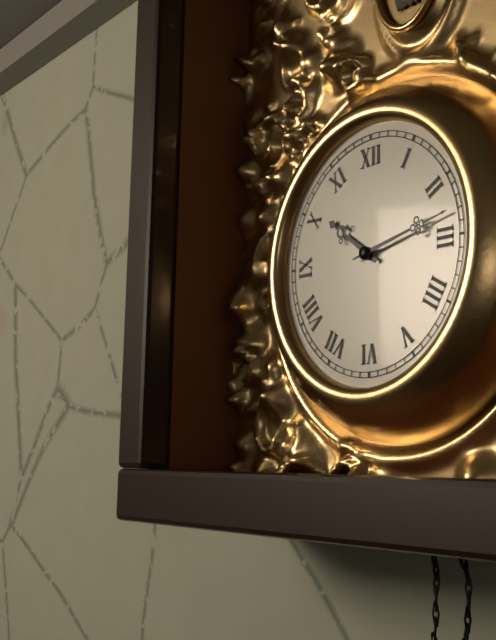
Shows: h=10 m=13
